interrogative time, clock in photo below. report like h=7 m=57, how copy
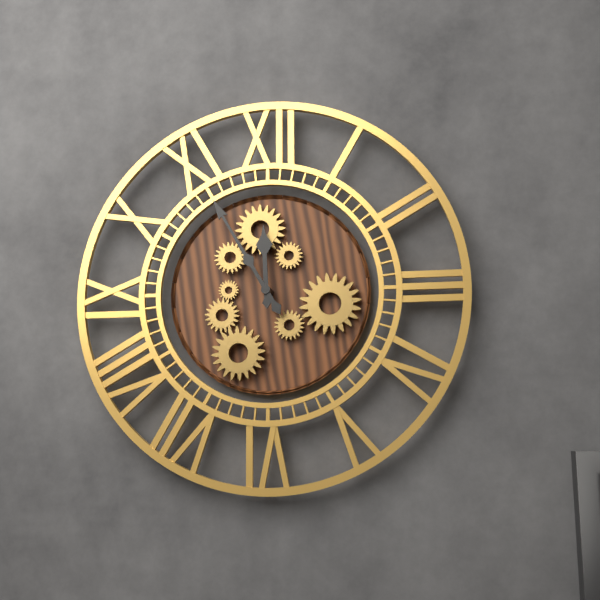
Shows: h=11 m=55
